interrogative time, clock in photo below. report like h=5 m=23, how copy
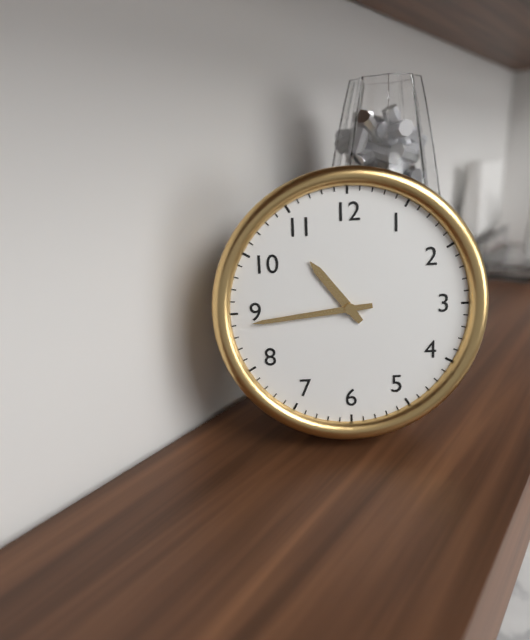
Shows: h=10 m=44
